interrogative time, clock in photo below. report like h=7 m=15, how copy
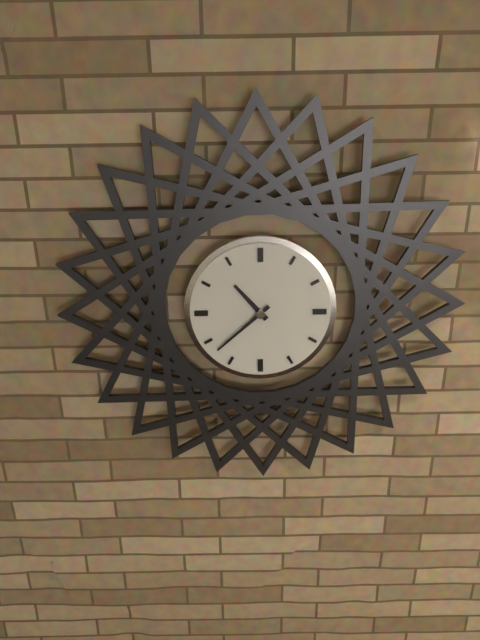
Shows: h=10 m=38
